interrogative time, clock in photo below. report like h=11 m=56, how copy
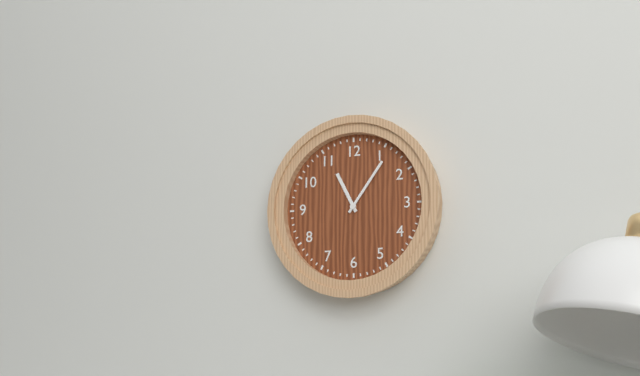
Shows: h=11 m=6
